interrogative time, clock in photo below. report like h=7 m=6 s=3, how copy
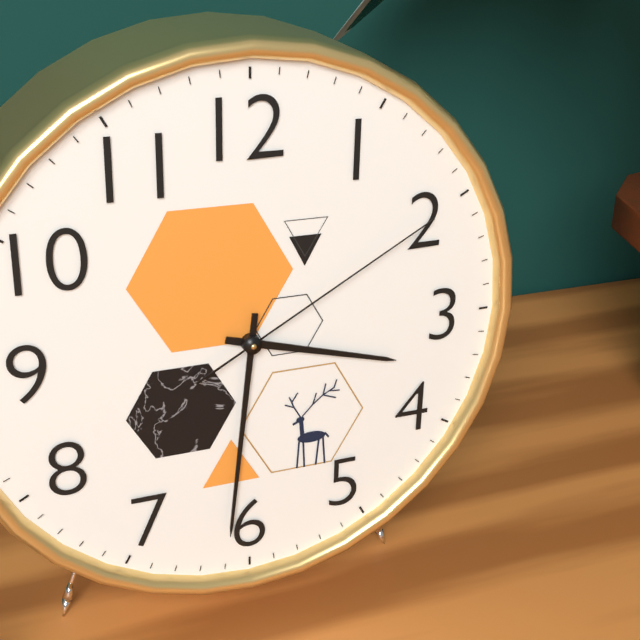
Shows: h=3 m=31 s=10
